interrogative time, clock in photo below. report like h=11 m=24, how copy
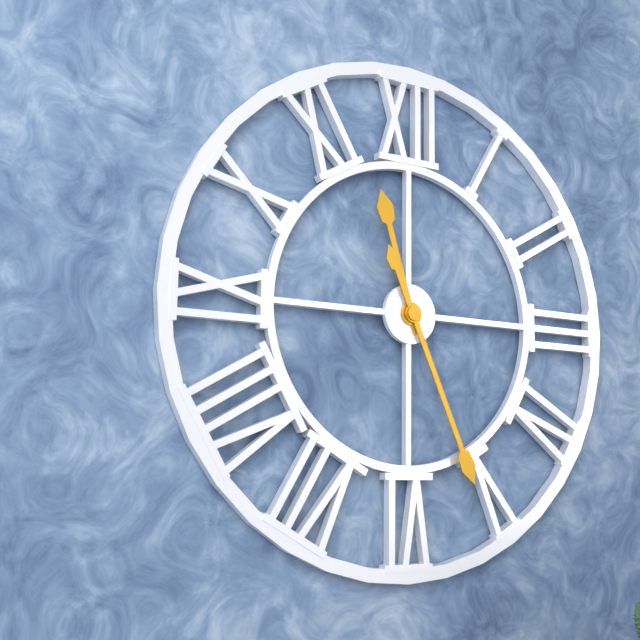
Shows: h=11 m=26
